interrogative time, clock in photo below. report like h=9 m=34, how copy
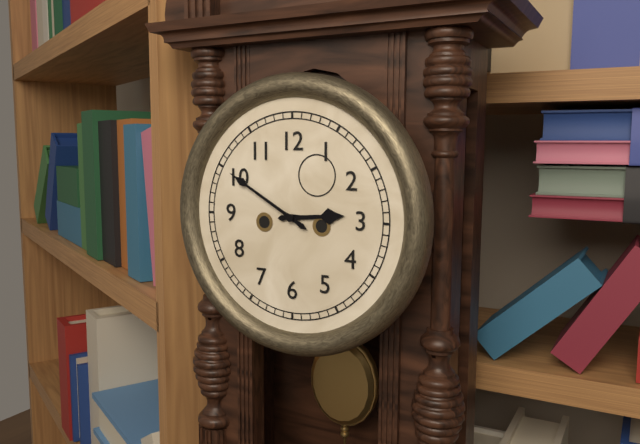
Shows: h=2 m=50
